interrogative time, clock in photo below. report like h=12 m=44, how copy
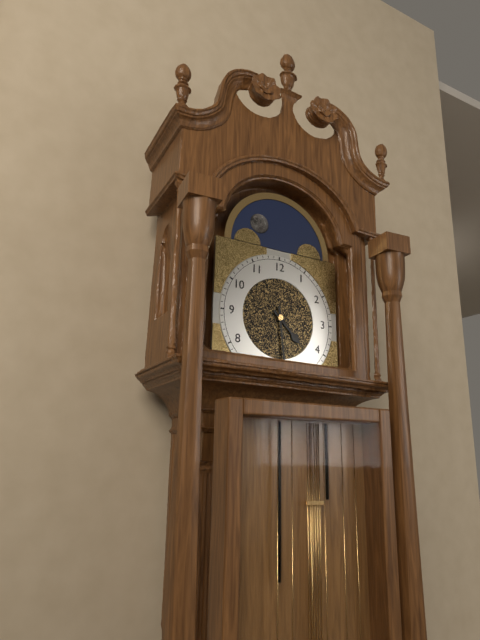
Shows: h=4 m=29
